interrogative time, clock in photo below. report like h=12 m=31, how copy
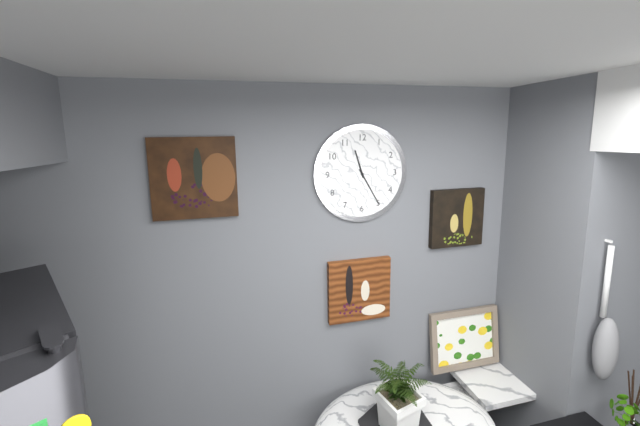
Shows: h=11 m=25
